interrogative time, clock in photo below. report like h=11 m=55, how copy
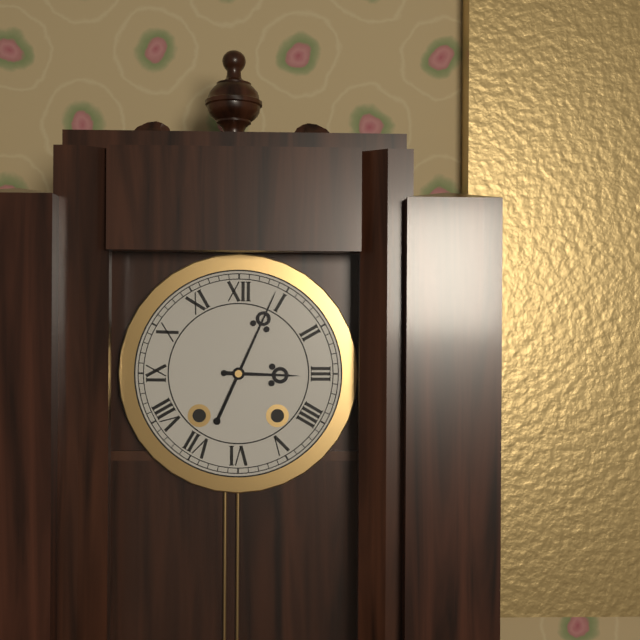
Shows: h=3 m=4
